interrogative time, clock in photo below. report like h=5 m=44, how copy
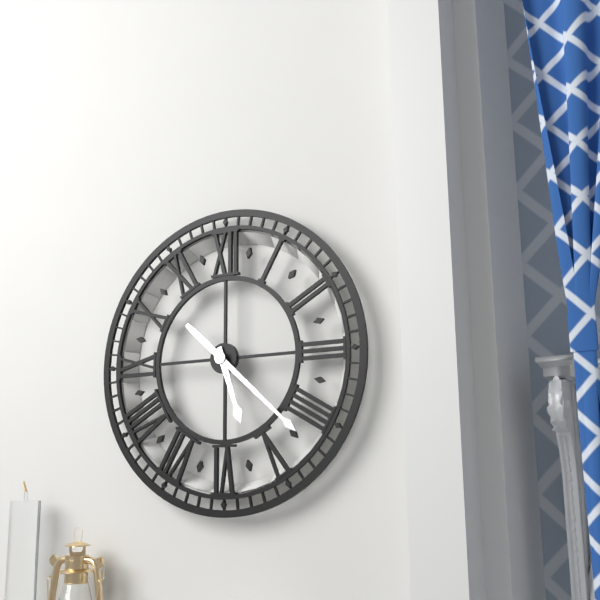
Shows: h=5 m=22
